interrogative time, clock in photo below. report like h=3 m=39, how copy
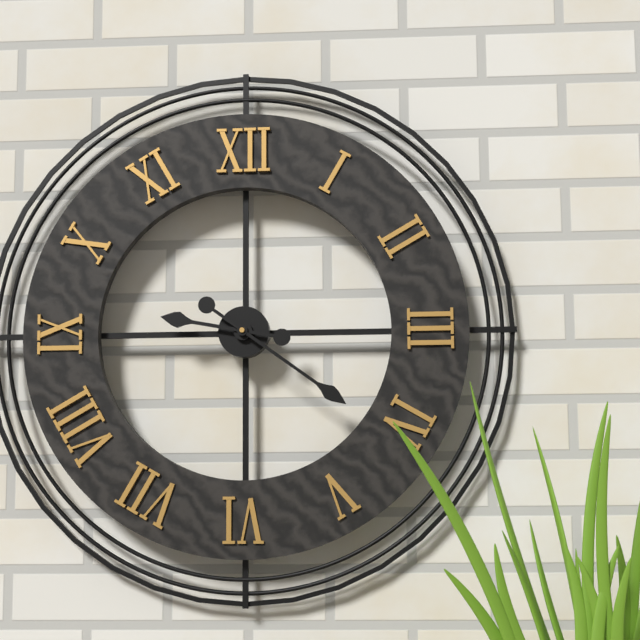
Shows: h=9 m=21
